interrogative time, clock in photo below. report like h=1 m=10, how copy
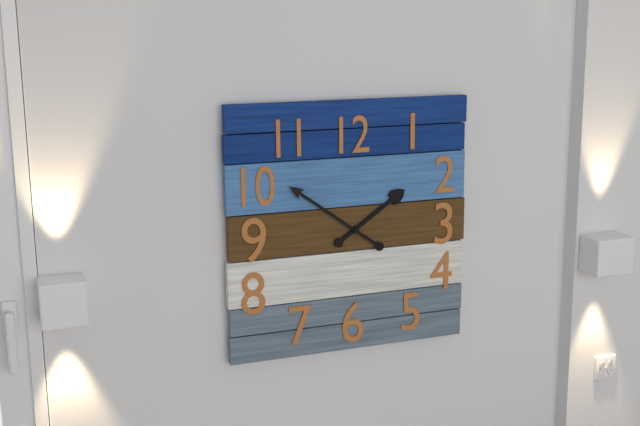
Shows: h=1 m=51
